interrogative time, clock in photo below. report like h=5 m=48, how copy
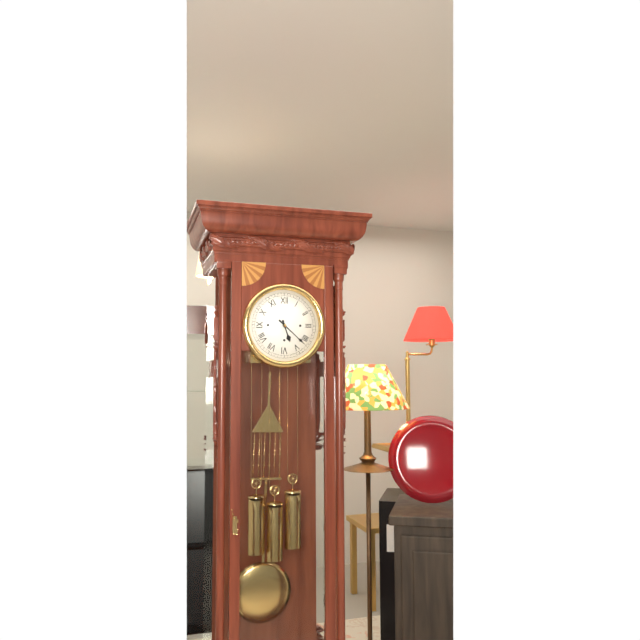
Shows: h=5 m=22
